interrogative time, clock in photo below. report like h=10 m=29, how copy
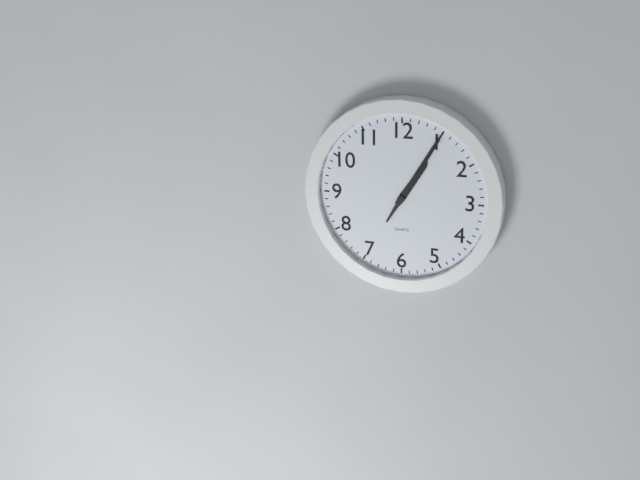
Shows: h=1 m=5
